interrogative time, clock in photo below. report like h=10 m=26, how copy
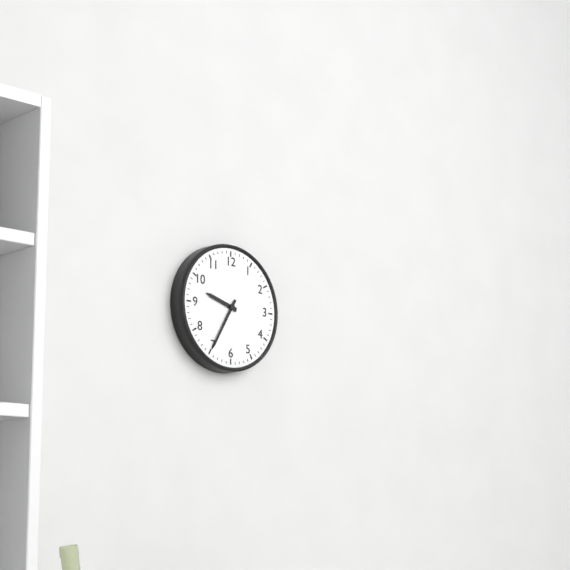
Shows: h=9 m=35
